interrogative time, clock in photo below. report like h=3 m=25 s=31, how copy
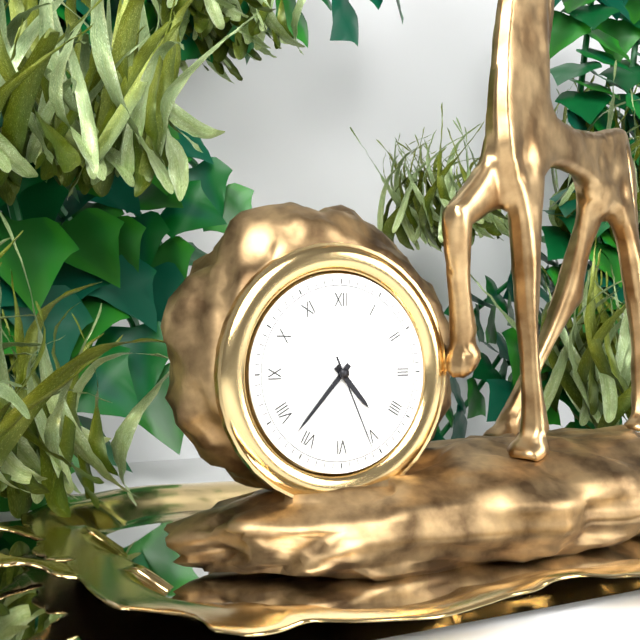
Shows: h=4 m=37 s=26
